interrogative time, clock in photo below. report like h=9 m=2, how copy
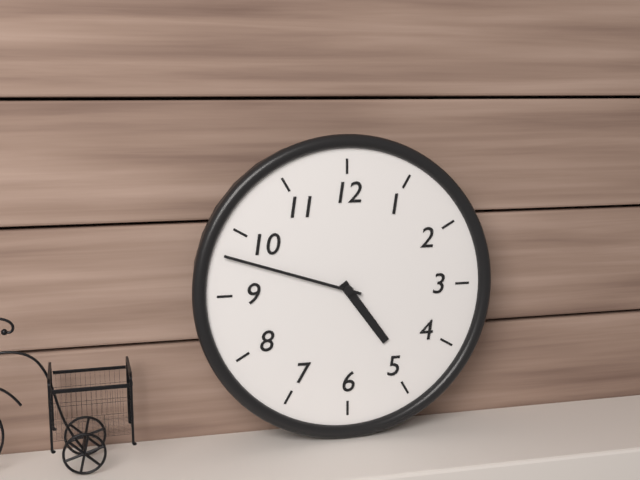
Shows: h=4 m=48
